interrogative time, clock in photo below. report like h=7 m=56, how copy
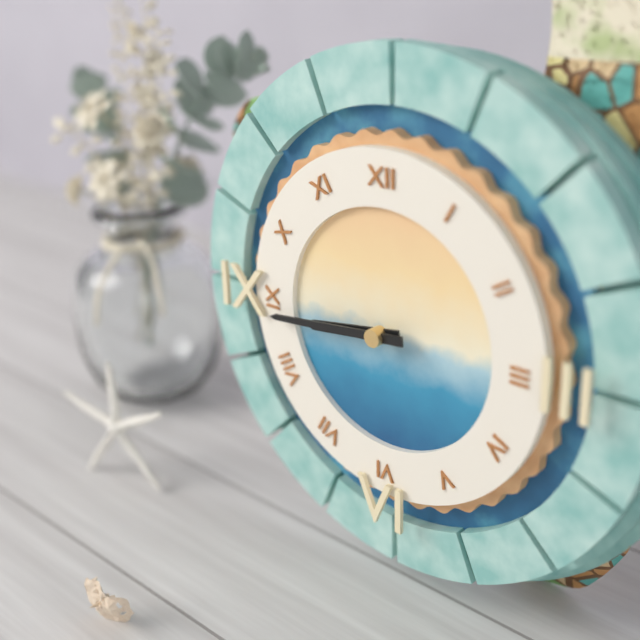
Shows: h=8 m=44
